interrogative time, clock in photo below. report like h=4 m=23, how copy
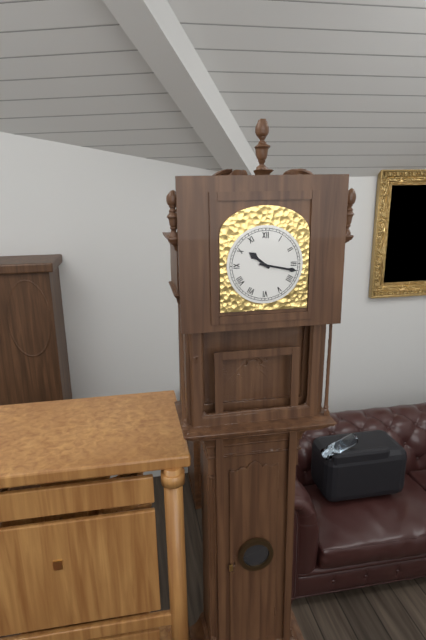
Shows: h=10 m=17
